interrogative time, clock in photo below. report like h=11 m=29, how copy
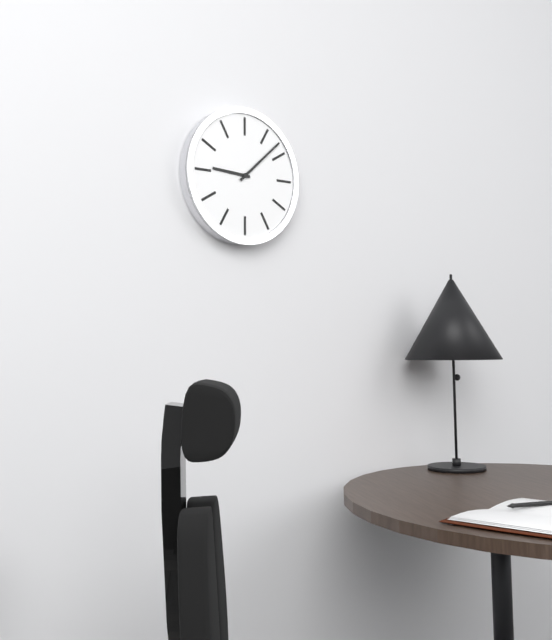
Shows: h=9 m=8
